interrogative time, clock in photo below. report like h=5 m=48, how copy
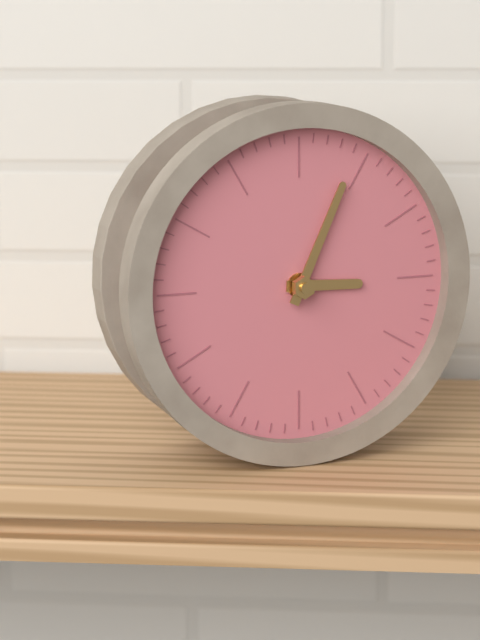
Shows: h=3 m=4
